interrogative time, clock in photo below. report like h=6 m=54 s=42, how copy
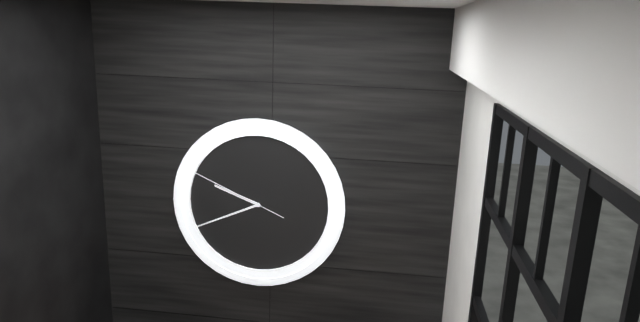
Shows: h=9 m=41 s=49
